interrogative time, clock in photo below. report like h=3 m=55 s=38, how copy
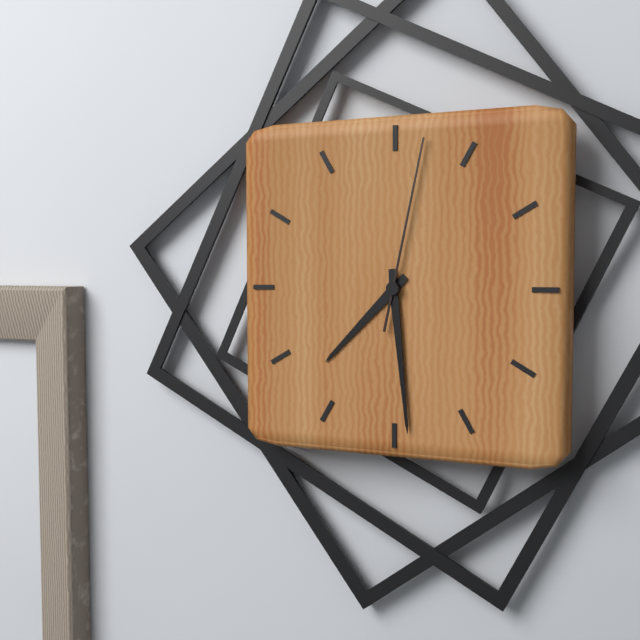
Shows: h=7 m=29 s=2
